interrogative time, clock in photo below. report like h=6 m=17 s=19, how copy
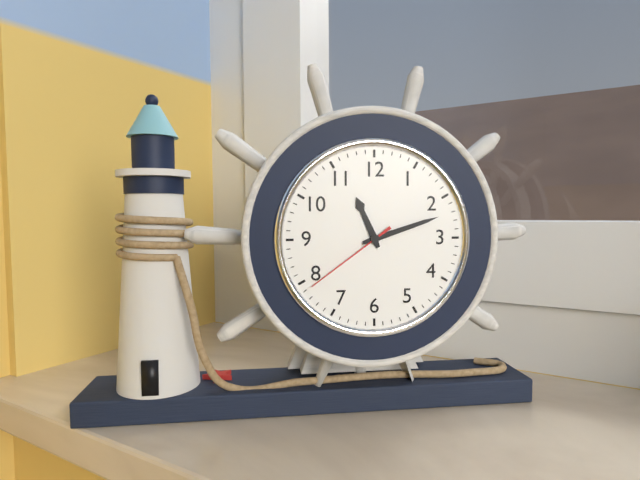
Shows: h=11 m=12 s=39
